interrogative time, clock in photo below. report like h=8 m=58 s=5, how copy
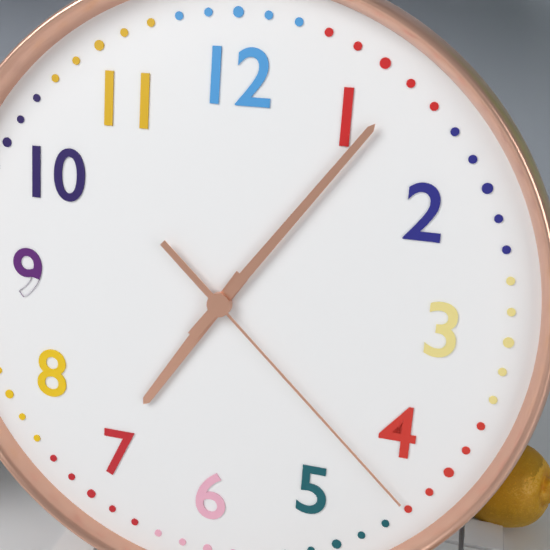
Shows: h=7 m=6 s=22
